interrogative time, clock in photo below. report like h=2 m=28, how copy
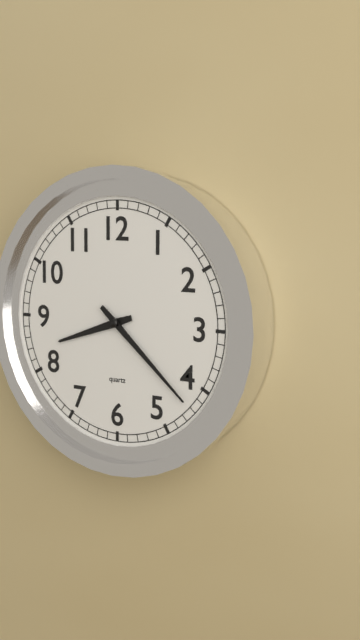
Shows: h=8 m=22
